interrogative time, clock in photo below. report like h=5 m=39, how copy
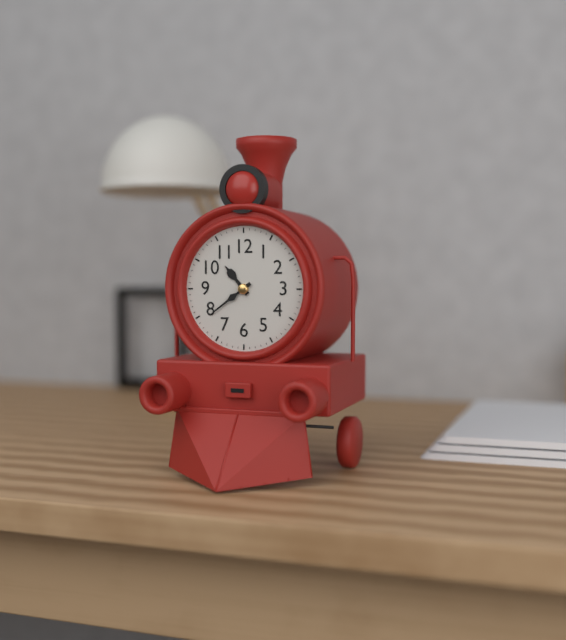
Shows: h=10 m=39
